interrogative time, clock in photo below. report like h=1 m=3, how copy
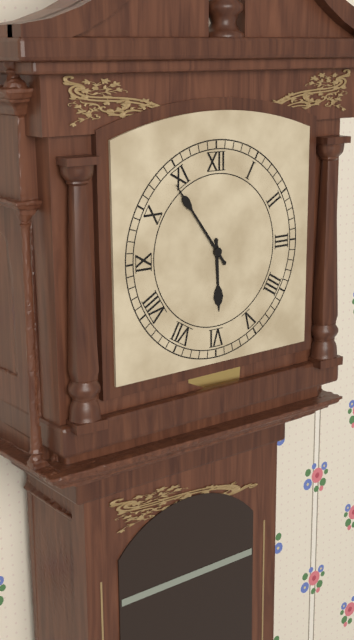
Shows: h=5 m=54
